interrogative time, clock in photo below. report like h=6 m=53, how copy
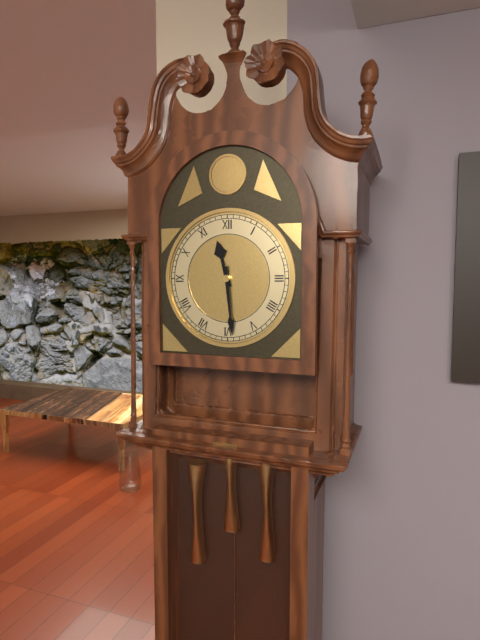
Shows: h=11 m=29
